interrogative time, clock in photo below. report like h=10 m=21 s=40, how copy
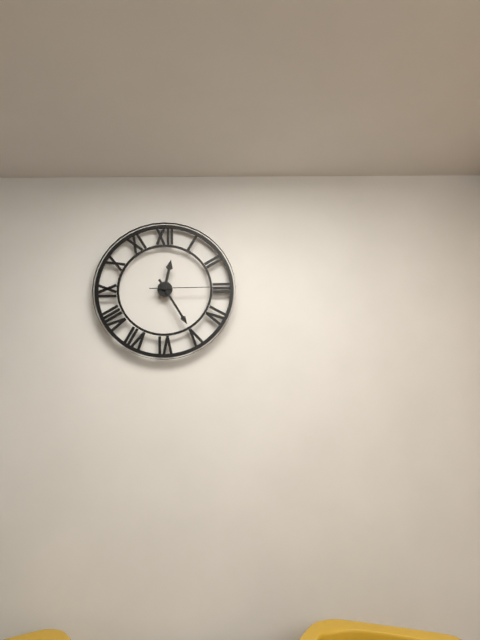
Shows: h=12 m=25 s=15
